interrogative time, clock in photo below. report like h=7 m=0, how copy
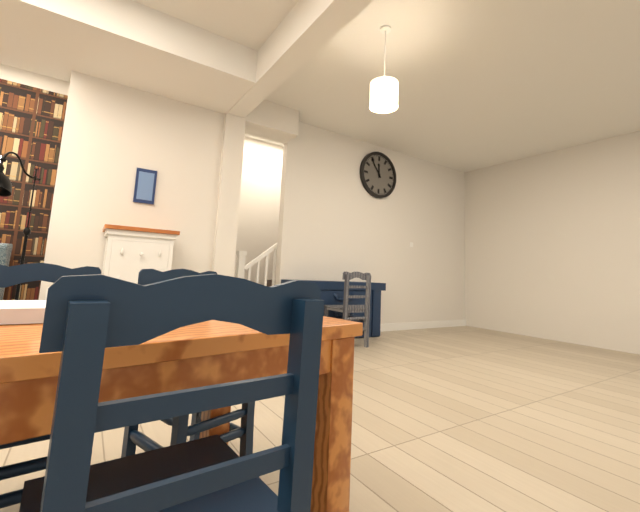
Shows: h=11 m=54
